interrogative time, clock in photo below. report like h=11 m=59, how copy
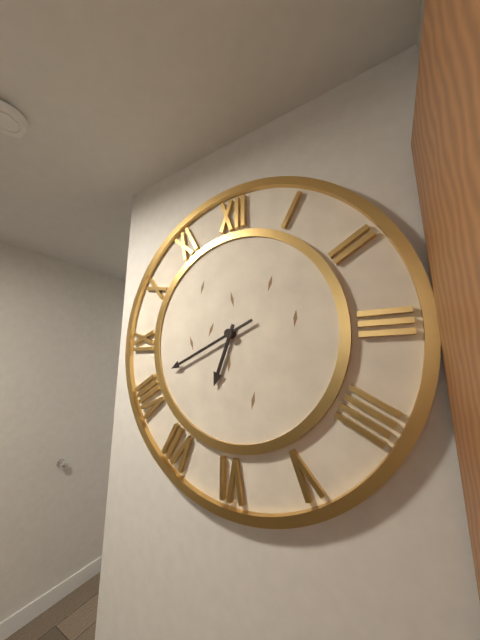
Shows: h=6 m=41
